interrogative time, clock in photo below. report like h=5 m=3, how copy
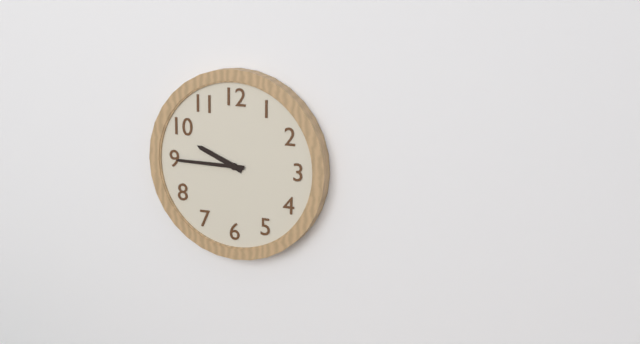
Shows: h=9 m=45
